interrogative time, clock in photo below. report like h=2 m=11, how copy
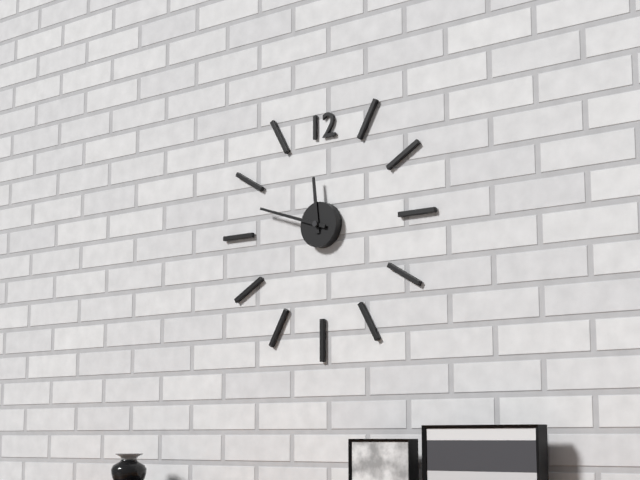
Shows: h=11 m=48
